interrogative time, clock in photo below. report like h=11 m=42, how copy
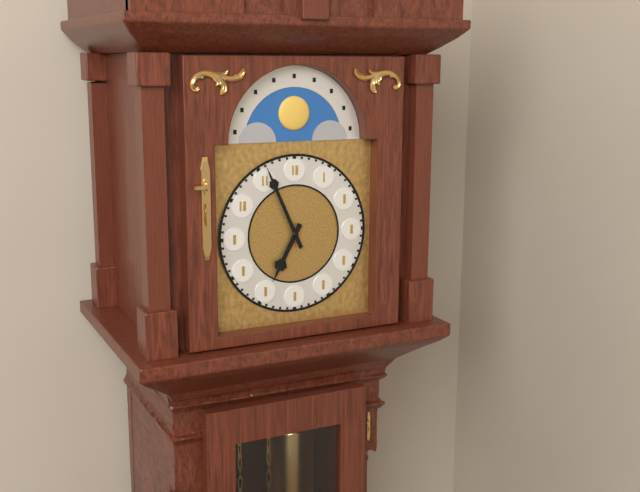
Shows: h=6 m=56
